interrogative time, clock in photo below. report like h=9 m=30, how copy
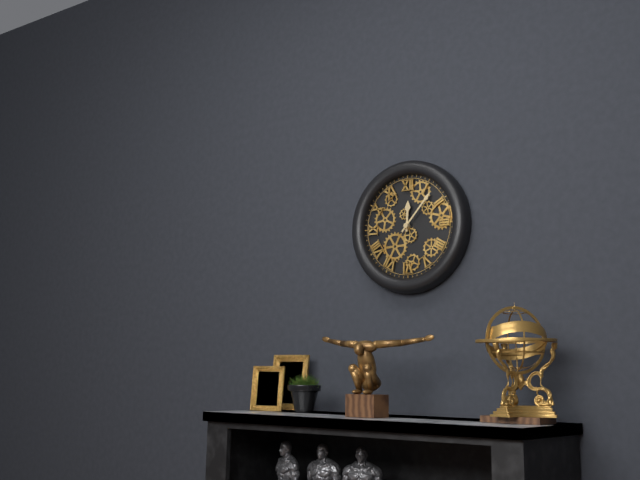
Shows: h=12 m=7
